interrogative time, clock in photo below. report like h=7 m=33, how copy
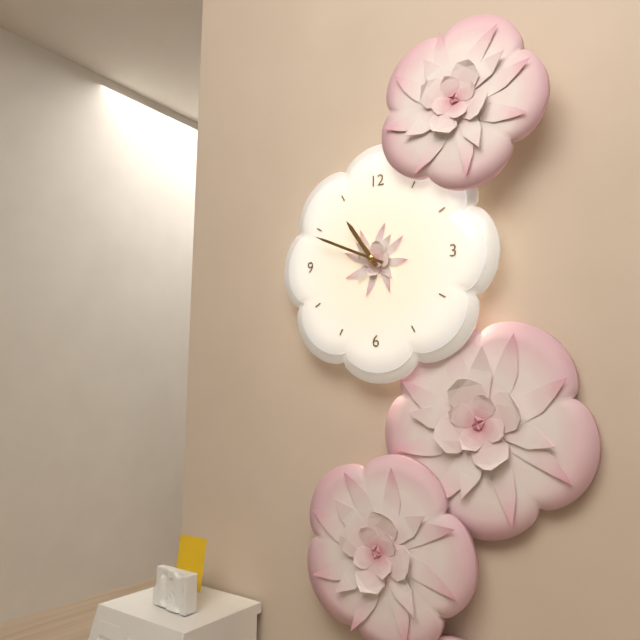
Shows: h=10 m=49
